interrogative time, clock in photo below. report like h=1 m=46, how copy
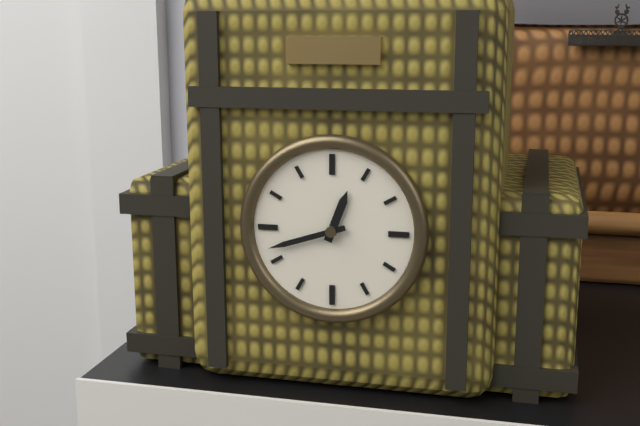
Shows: h=12 m=42
